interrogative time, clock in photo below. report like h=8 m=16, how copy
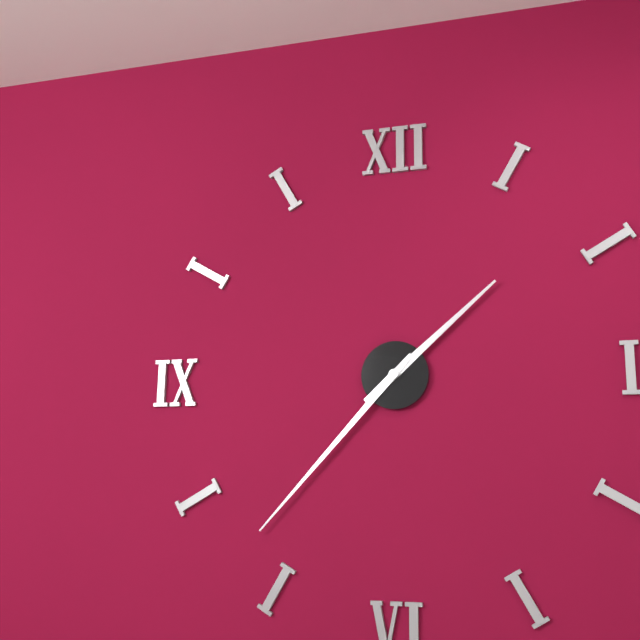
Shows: h=1 m=37
